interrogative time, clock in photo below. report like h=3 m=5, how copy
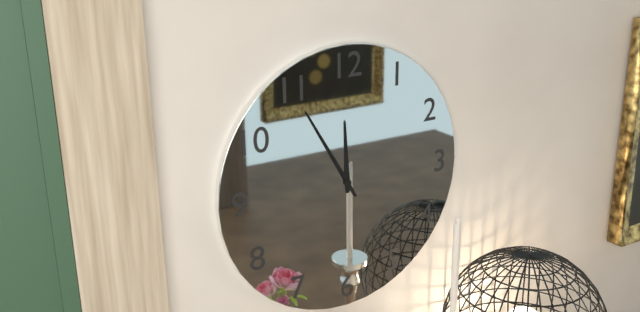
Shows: h=11 m=55
